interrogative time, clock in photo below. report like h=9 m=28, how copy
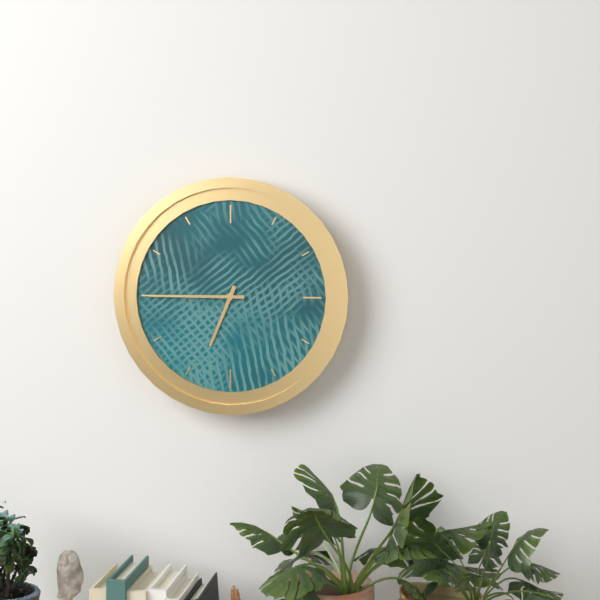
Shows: h=6 m=45
